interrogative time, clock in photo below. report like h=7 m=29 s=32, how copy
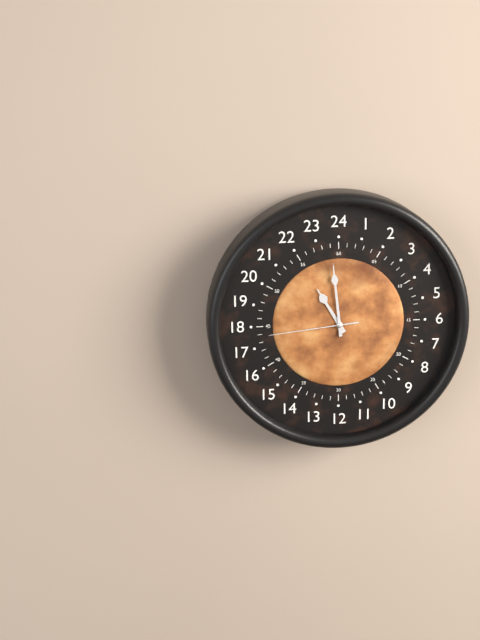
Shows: h=10 m=59 s=44
